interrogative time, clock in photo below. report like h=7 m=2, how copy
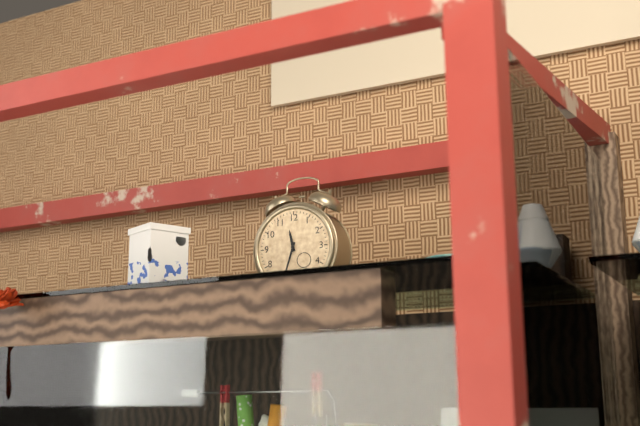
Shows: h=11 m=33
